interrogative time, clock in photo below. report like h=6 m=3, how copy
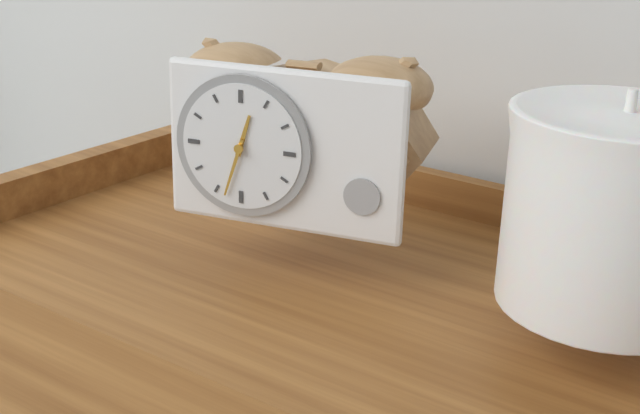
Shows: h=12 m=33
